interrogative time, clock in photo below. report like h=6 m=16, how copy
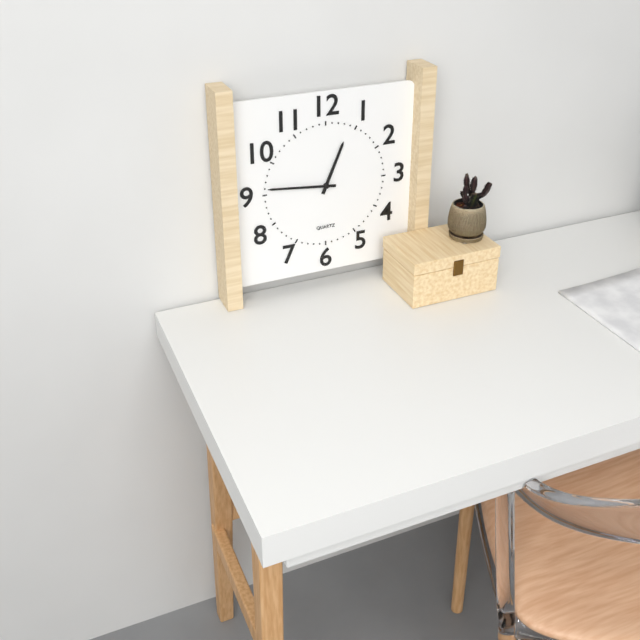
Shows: h=12 m=46
